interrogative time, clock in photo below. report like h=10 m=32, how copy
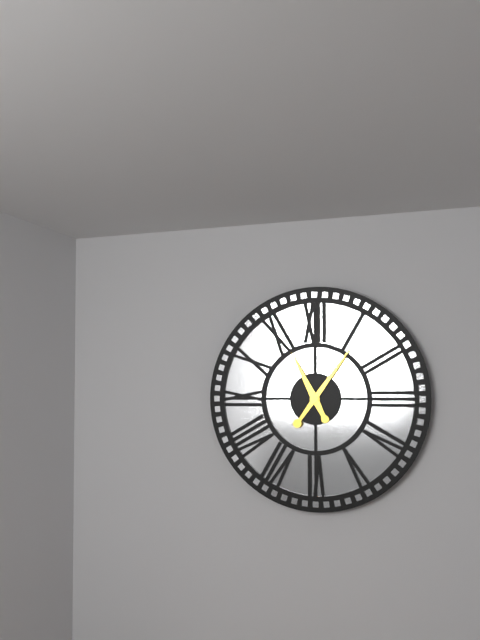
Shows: h=11 m=6
